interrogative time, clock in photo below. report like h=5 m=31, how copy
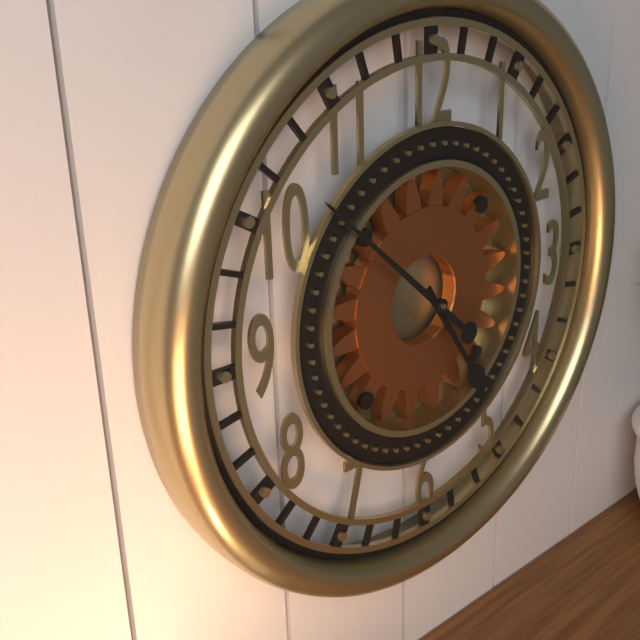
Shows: h=4 m=52
